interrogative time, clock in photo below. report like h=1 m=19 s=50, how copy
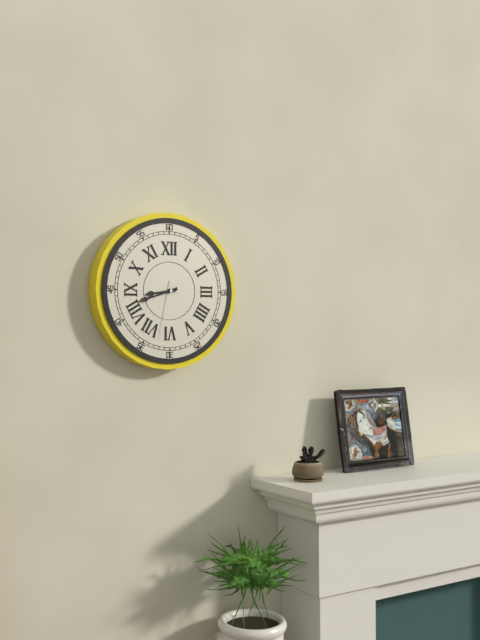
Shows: h=8 m=42 s=32
